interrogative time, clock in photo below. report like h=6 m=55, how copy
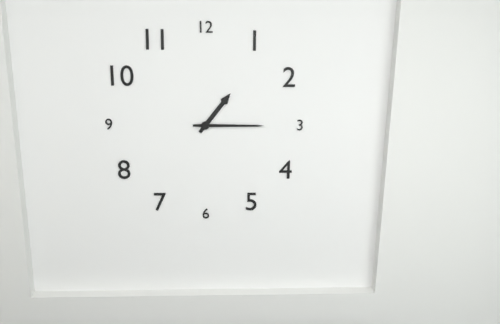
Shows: h=1 m=15
